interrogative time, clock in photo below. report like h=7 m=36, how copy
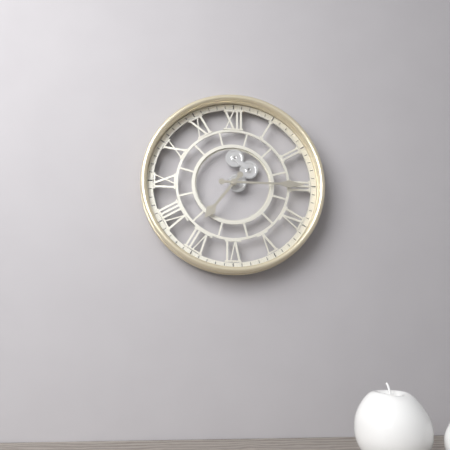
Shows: h=7 m=15
